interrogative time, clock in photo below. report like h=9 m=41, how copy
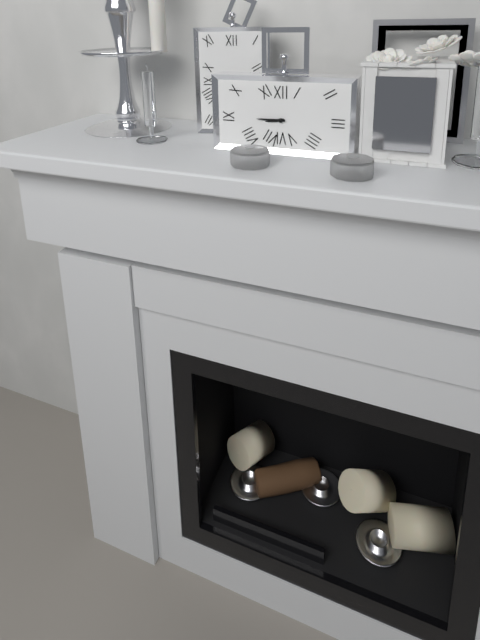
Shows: h=8 m=45
